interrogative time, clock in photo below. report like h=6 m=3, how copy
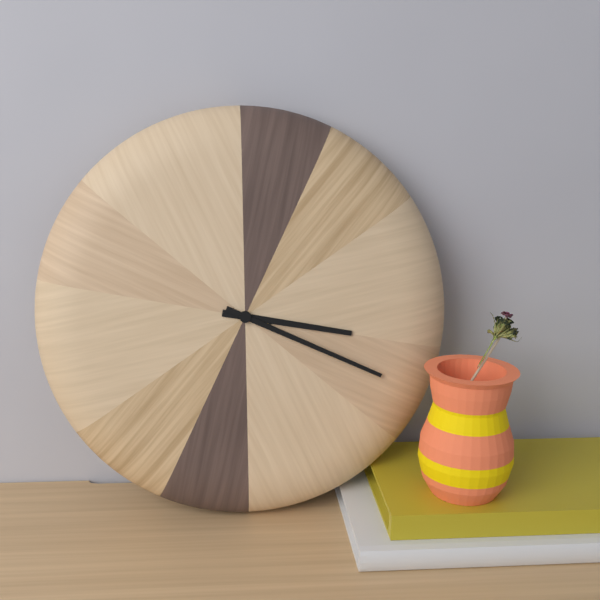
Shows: h=3 m=19
